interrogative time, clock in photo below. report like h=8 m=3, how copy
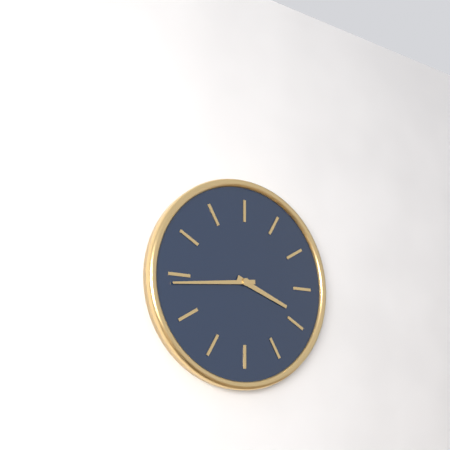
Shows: h=3 m=44
